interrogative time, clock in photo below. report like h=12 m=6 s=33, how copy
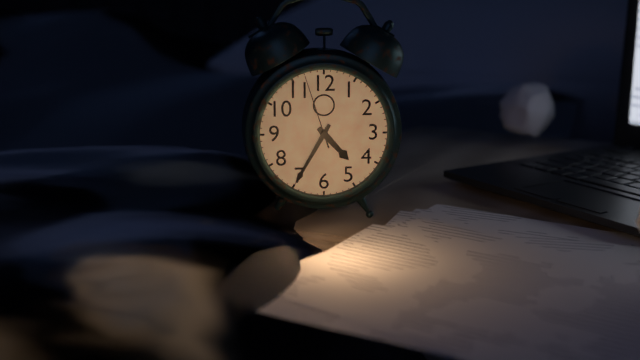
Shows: h=4 m=35 s=57
